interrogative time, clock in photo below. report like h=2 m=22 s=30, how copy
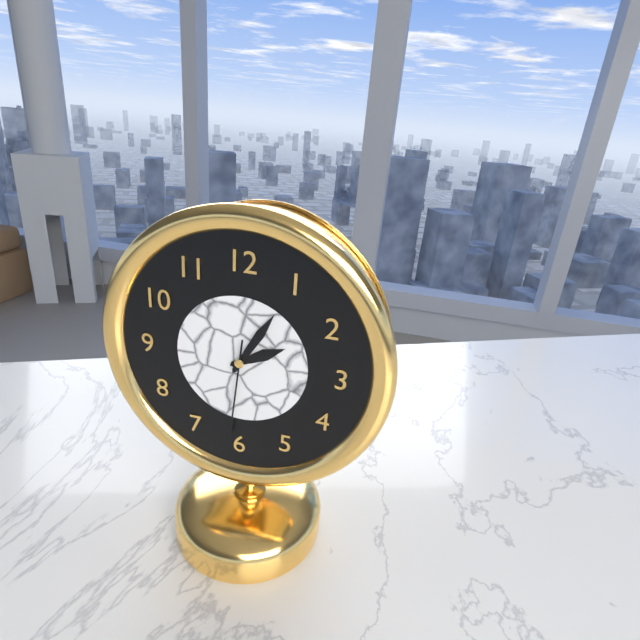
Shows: h=2 m=5 s=31
